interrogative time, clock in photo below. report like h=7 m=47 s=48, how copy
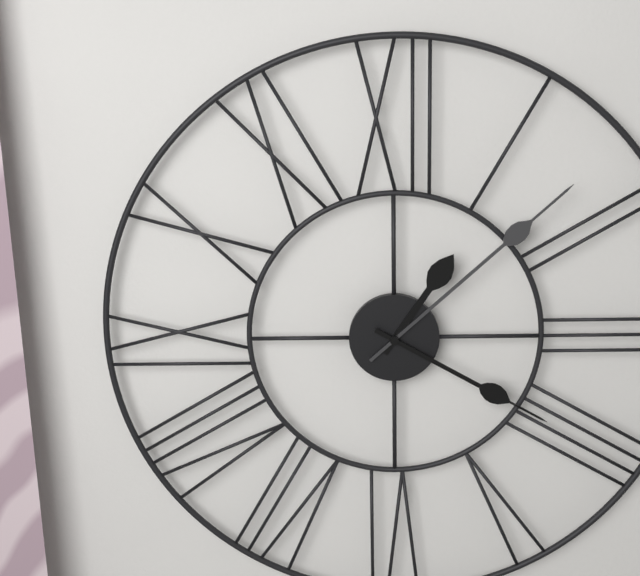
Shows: h=1 m=8 s=20
